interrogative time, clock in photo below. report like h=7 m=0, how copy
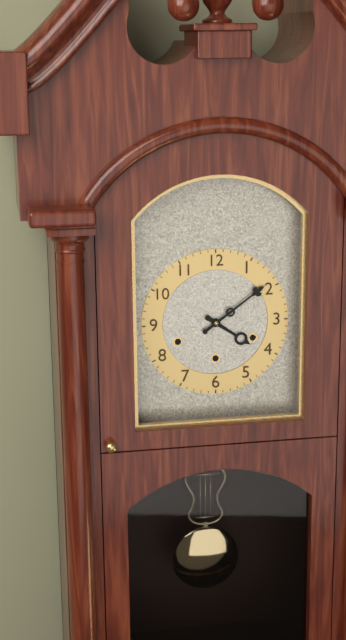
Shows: h=4 m=9
